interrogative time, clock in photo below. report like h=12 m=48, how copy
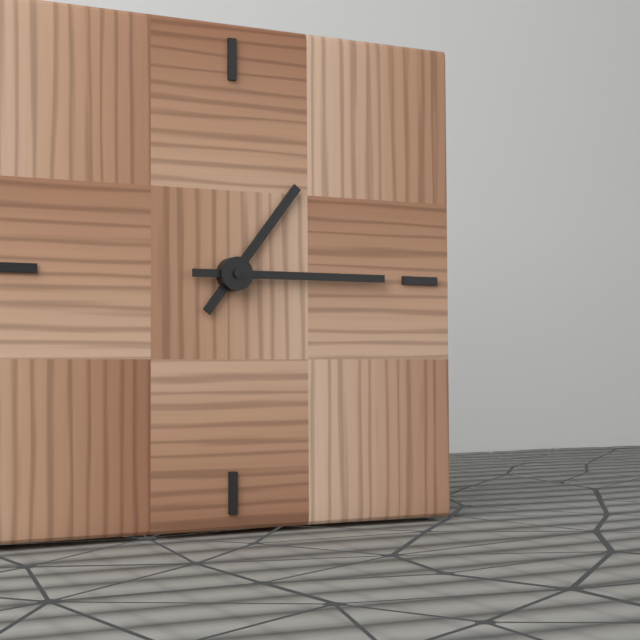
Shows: h=1 m=15
